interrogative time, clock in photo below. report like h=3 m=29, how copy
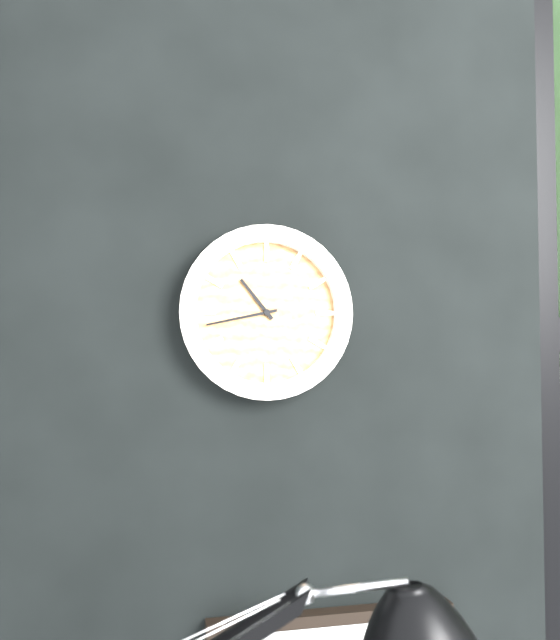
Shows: h=10 m=43
